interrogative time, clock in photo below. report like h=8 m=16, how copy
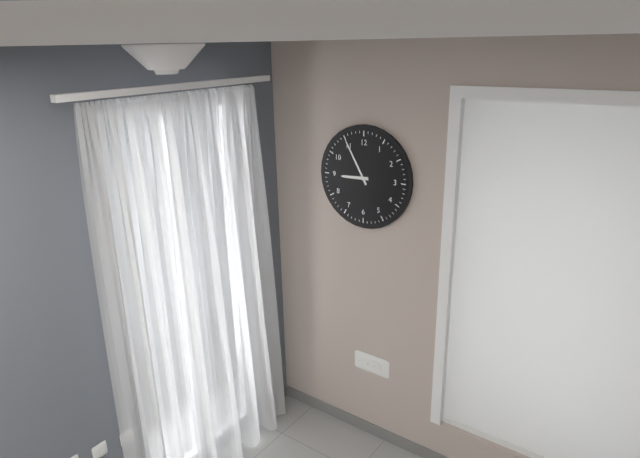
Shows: h=8 m=55
